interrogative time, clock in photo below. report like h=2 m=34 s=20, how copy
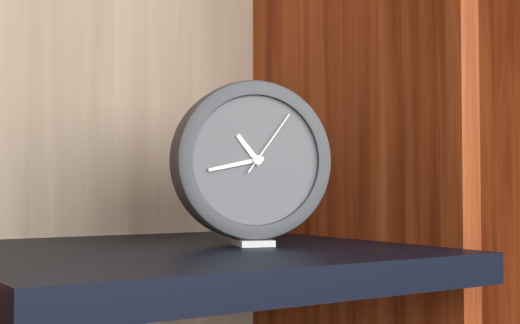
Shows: h=10 m=43 s=6
